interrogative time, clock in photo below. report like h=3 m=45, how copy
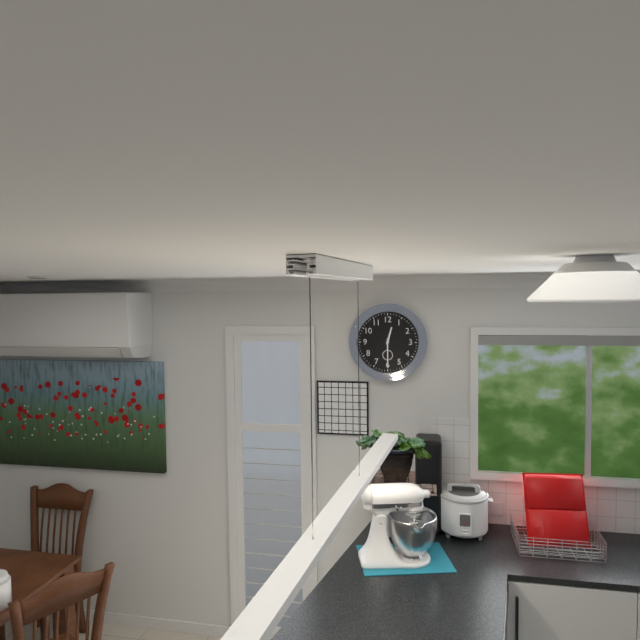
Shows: h=12 m=30
